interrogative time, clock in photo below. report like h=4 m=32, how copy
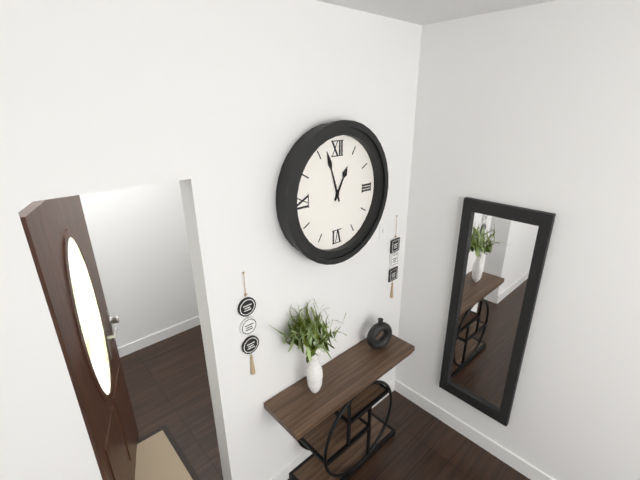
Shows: h=12 m=57
